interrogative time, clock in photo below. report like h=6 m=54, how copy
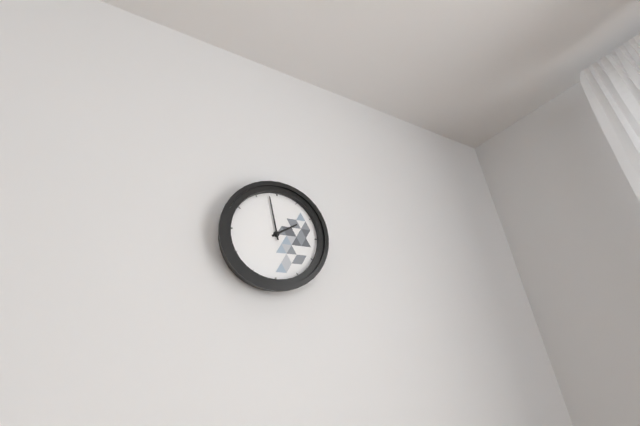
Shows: h=1 m=58
